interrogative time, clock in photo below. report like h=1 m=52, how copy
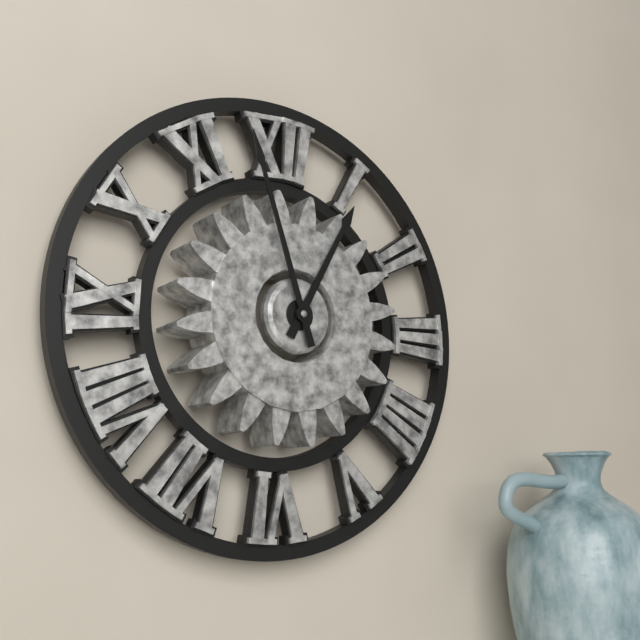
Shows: h=12 m=57
